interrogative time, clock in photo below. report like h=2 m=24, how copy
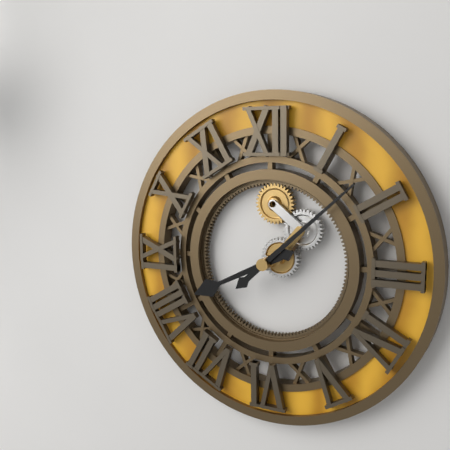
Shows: h=8 m=8
